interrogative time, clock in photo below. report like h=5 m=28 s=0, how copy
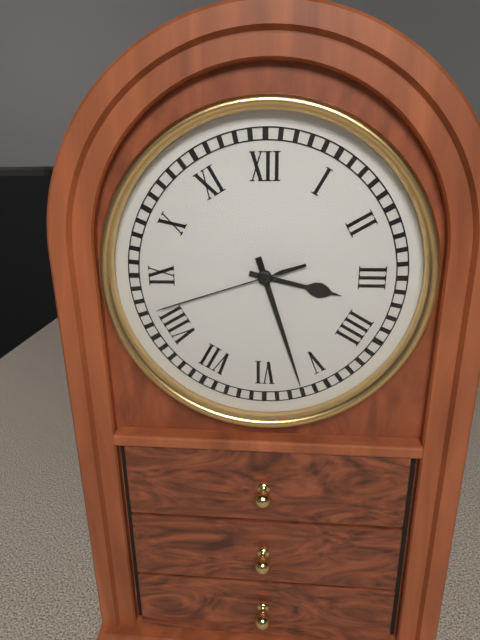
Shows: h=3 m=27 s=42
